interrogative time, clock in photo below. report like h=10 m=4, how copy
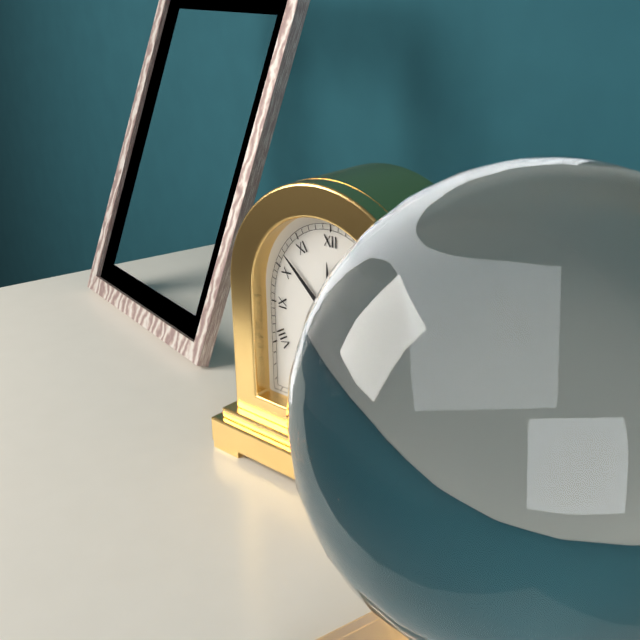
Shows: h=11 m=52
